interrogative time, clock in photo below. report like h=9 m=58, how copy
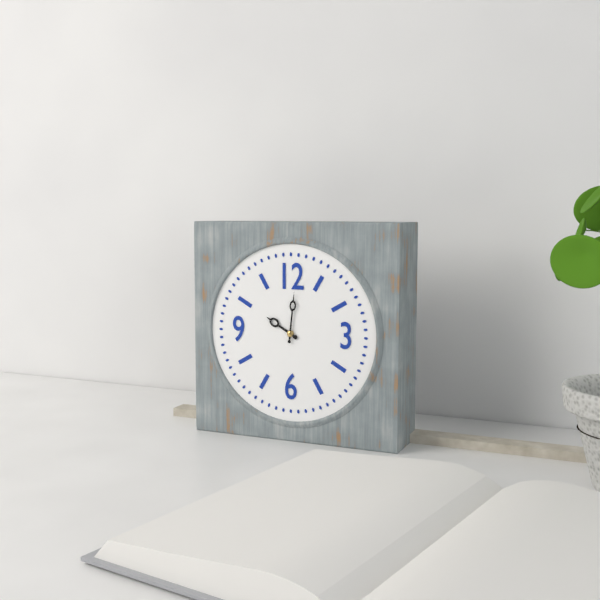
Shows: h=10 m=1
